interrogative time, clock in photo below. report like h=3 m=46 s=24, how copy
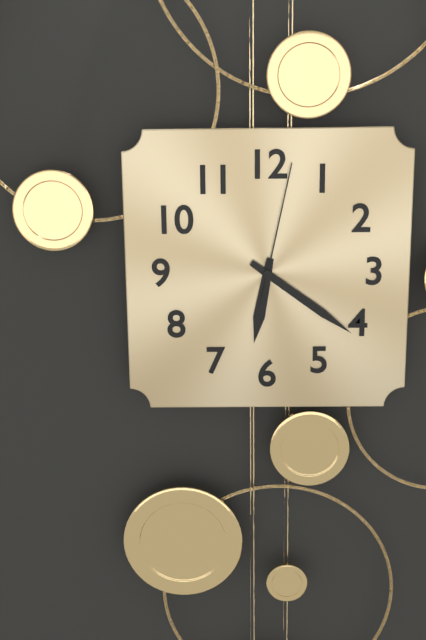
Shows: h=6 m=21 s=2
